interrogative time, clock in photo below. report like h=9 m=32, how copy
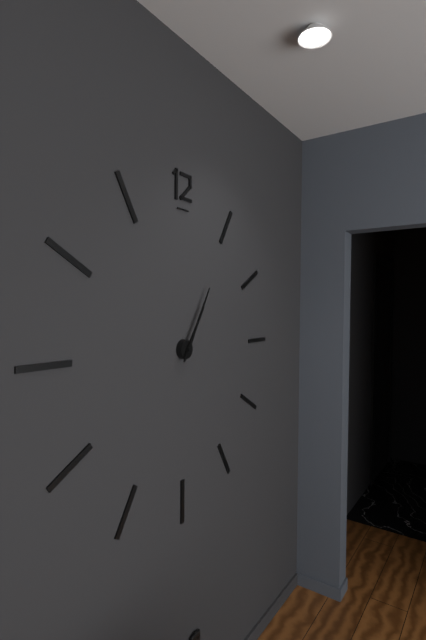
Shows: h=1 m=5
